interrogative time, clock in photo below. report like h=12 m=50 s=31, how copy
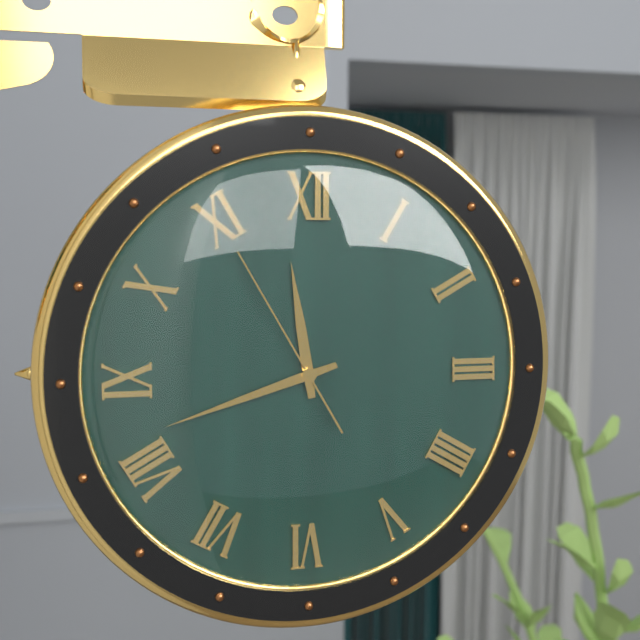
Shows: h=11 m=42 s=55
